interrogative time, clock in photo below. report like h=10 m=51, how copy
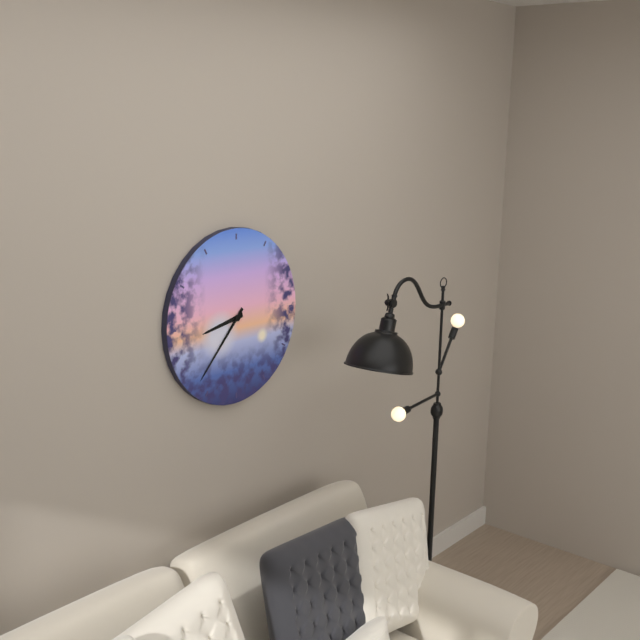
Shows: h=8 m=37
